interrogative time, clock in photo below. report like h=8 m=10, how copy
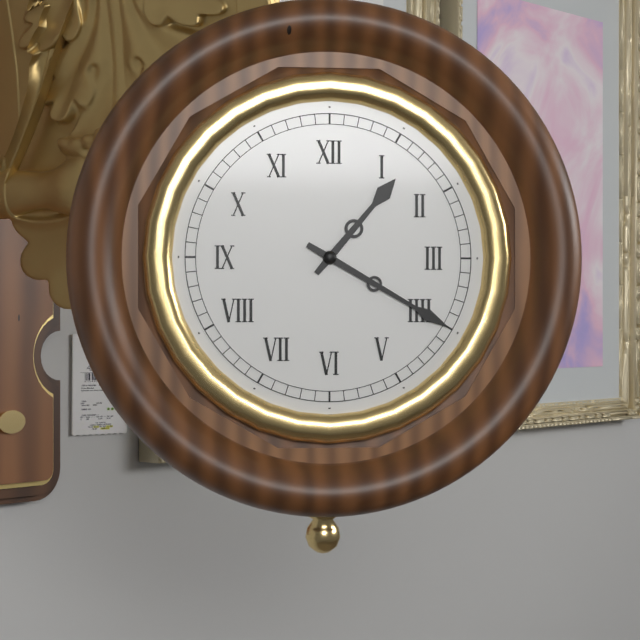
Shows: h=1 m=20
